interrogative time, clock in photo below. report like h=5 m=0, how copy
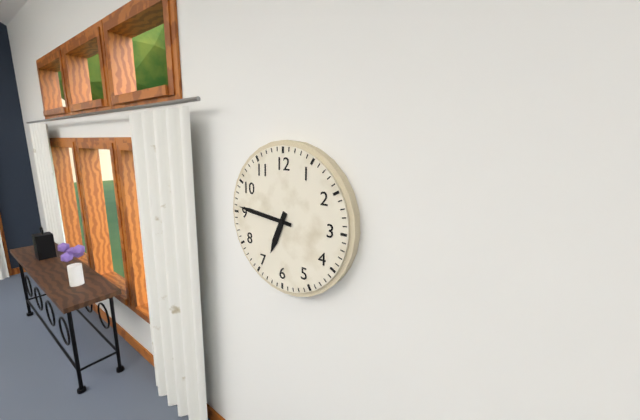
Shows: h=6 m=46
